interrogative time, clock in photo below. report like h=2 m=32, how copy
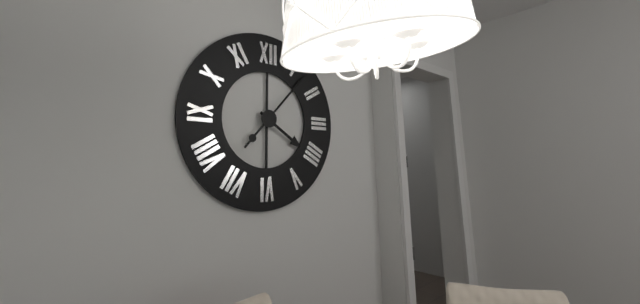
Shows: h=4 m=7
